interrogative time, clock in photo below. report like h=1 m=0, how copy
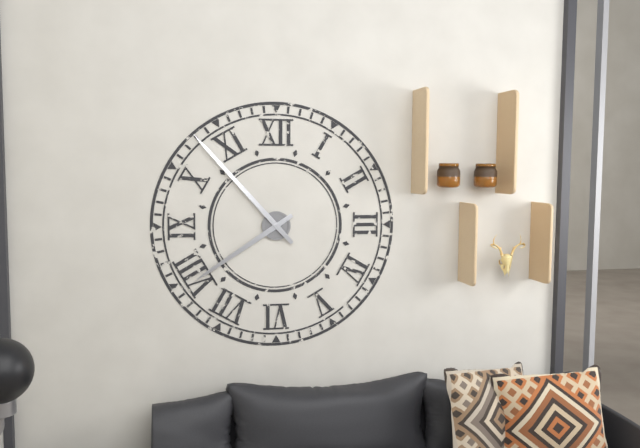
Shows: h=7 m=53
